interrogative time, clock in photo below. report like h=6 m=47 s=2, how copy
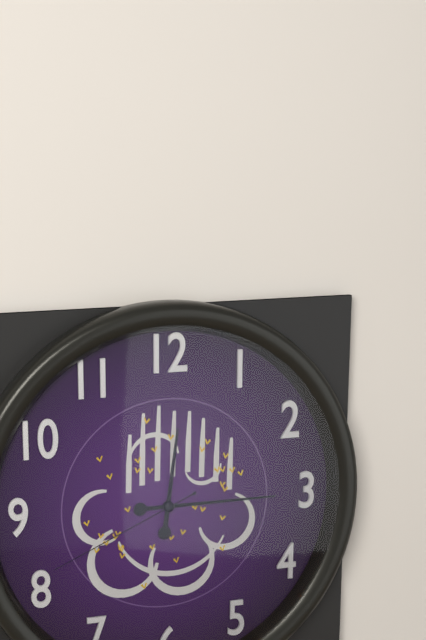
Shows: h=12 m=15 s=41
